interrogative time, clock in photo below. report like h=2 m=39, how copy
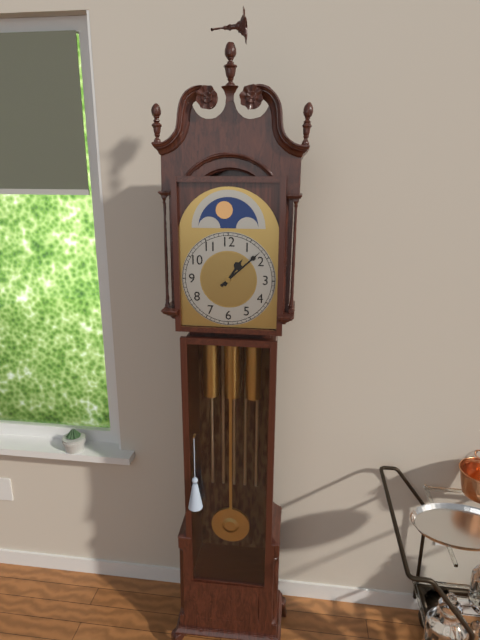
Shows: h=1 m=8
